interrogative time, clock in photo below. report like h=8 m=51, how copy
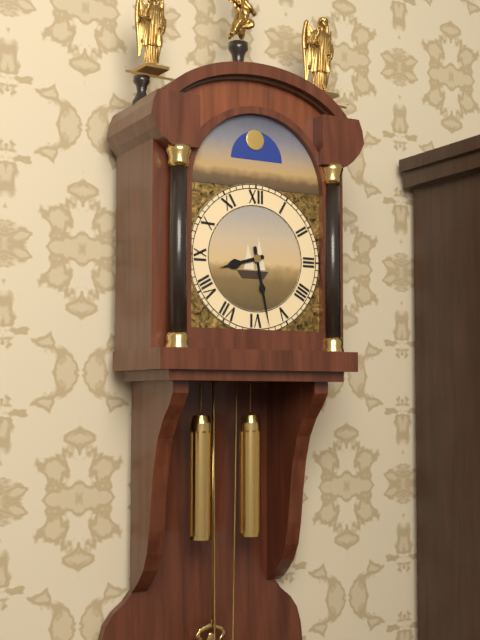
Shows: h=8 m=28
